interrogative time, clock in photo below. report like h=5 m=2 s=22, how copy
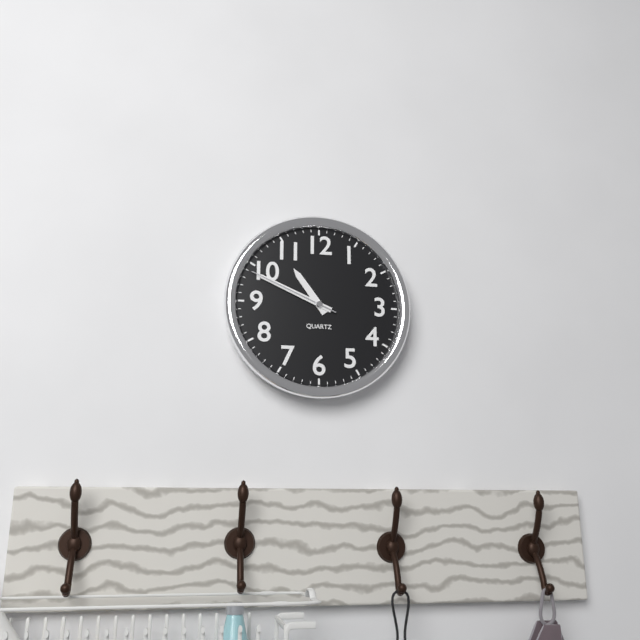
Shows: h=10 m=49 s=49
